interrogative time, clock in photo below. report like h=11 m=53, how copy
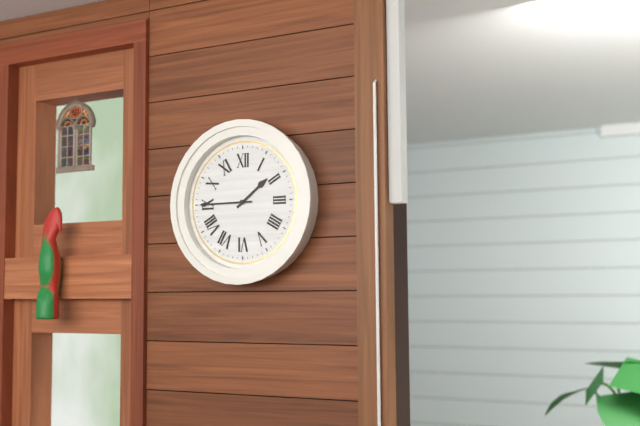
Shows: h=1 m=45
